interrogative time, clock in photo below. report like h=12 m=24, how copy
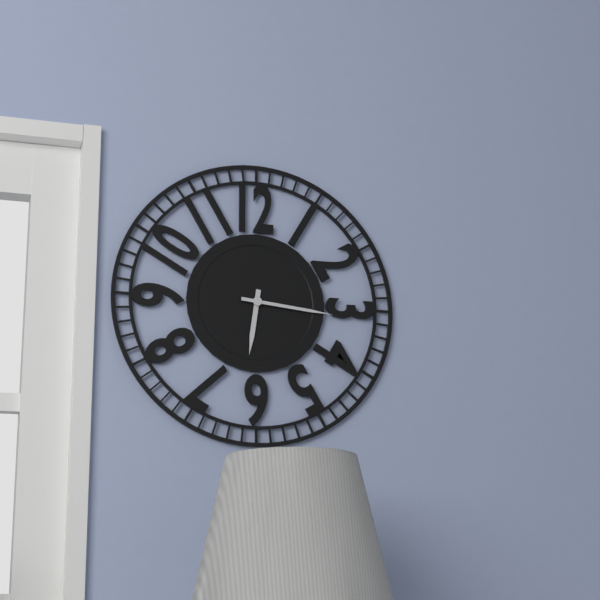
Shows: h=6 m=16
